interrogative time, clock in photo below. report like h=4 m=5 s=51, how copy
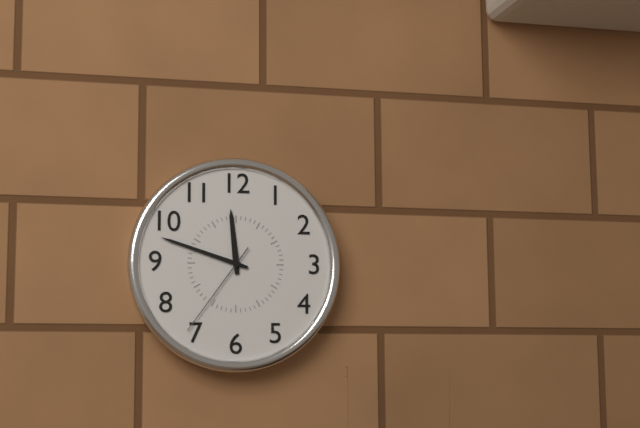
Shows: h=11 m=48 s=36
